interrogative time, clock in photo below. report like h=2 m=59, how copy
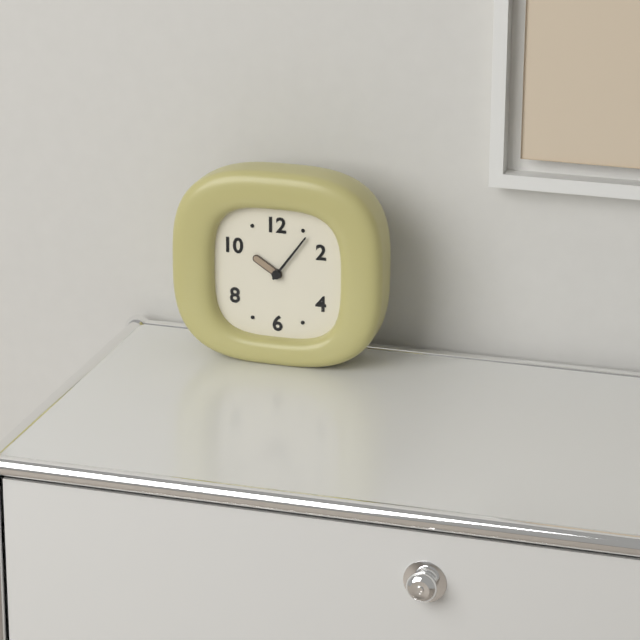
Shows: h=10 m=6
